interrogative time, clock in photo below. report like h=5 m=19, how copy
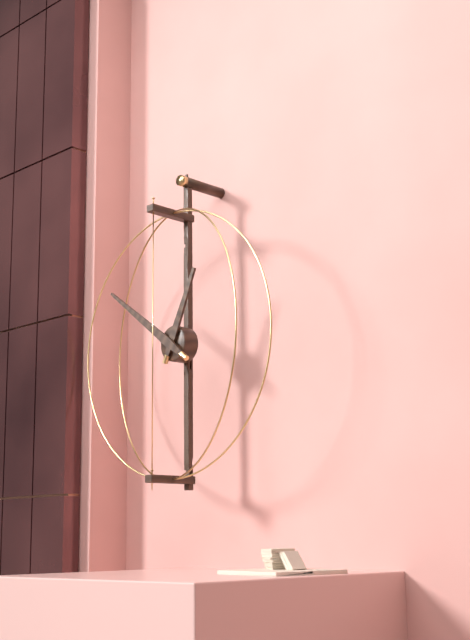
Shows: h=12 m=51
